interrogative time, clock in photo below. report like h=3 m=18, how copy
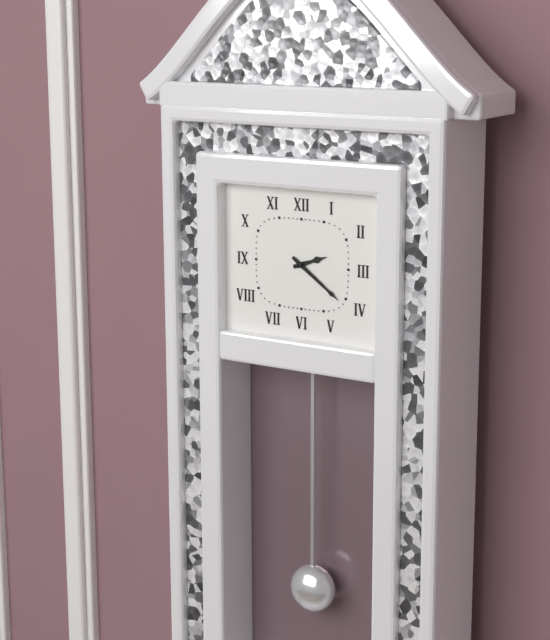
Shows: h=2 m=21
